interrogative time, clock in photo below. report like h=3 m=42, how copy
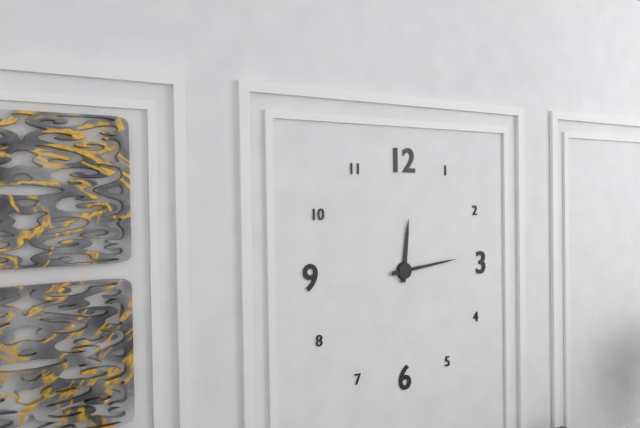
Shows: h=12 m=14
